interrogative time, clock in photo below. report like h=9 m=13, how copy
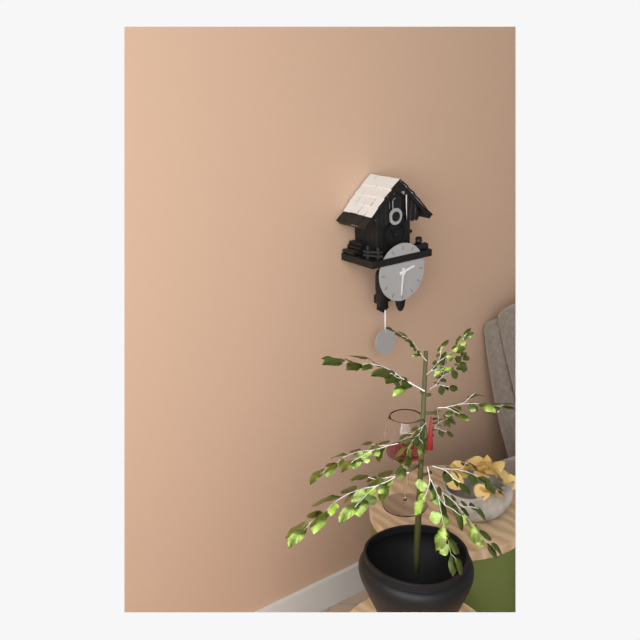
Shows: h=2 m=31
